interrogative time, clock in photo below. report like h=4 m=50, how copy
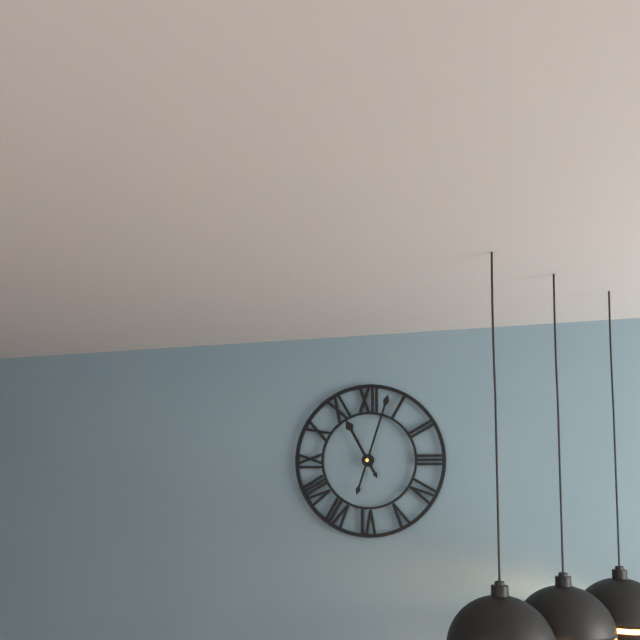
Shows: h=11 m=3
